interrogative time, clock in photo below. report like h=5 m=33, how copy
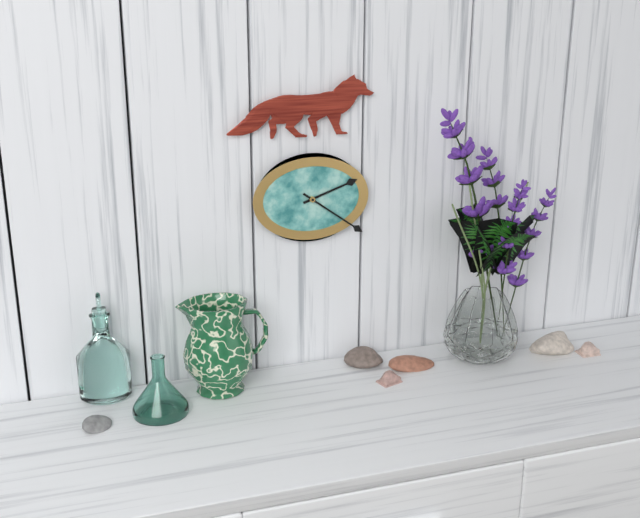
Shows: h=2 m=21
